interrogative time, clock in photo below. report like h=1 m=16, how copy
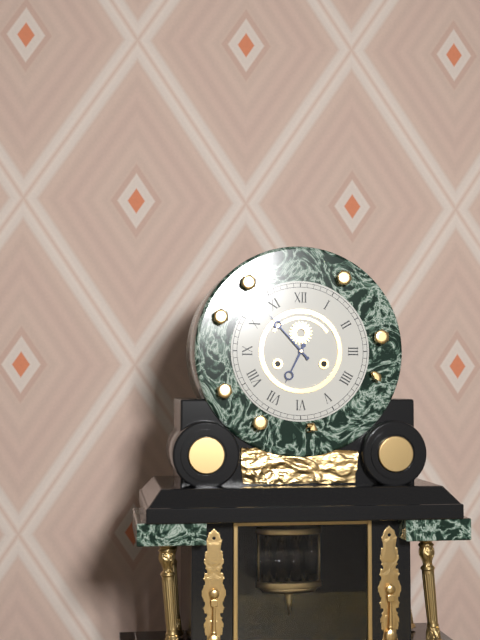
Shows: h=6 m=53
